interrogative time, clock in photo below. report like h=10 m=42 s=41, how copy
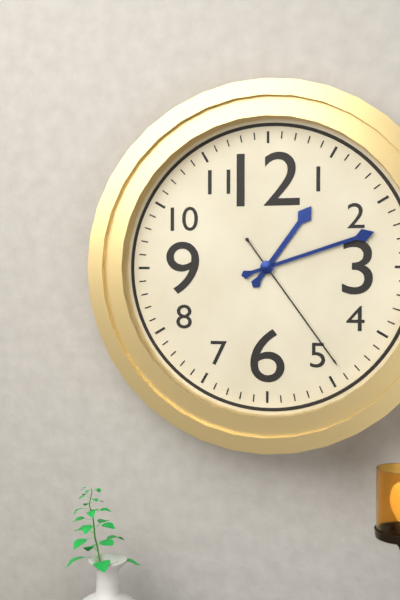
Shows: h=1 m=12 s=24
